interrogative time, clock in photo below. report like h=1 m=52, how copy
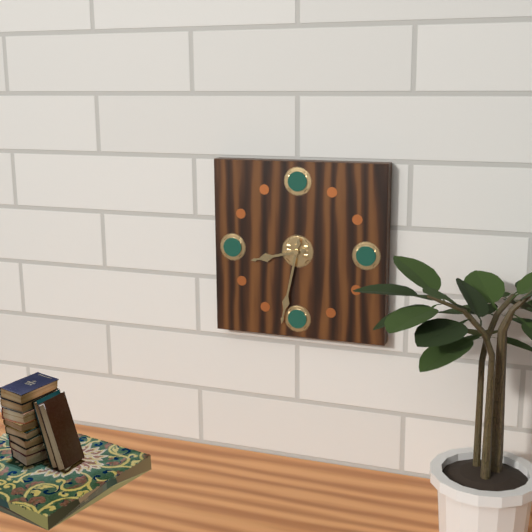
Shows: h=8 m=32
